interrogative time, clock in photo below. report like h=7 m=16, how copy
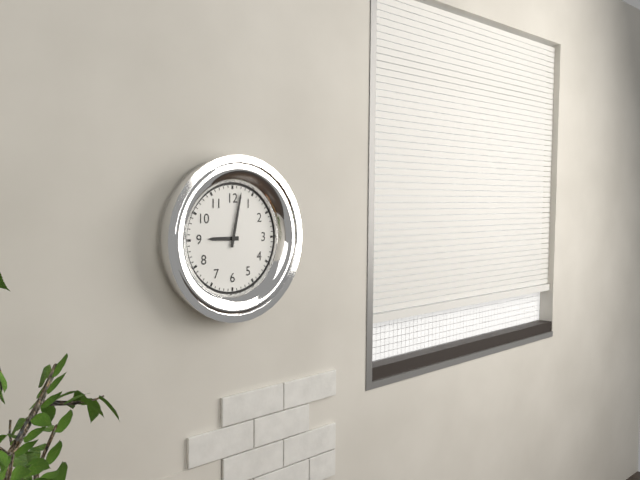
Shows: h=9 m=2
